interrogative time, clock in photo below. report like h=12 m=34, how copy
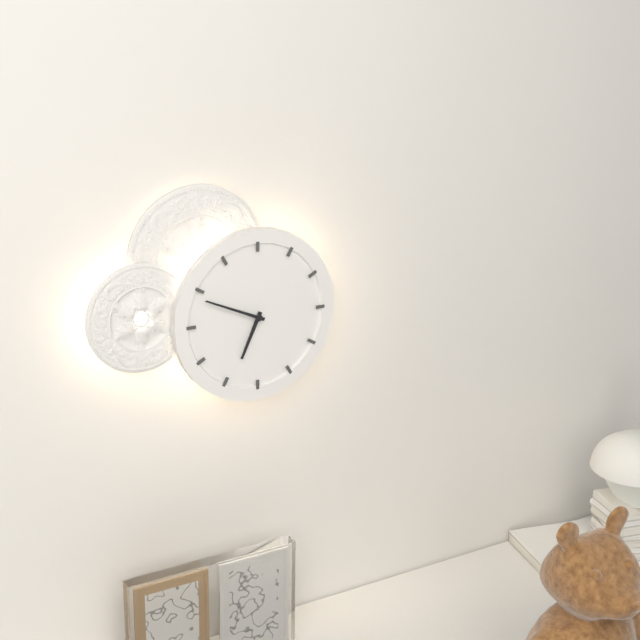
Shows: h=6 m=49
